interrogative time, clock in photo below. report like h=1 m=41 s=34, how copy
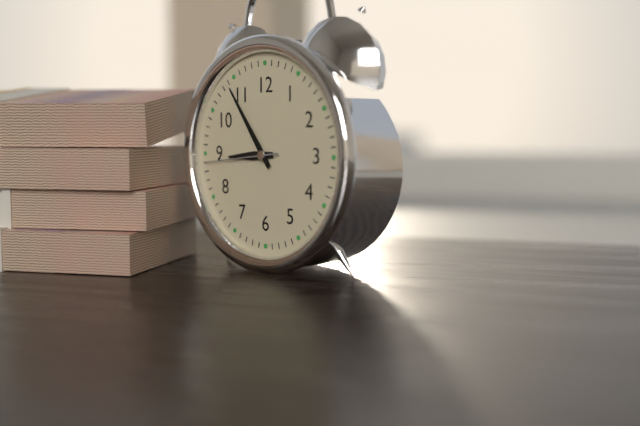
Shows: h=8 m=54 s=44
